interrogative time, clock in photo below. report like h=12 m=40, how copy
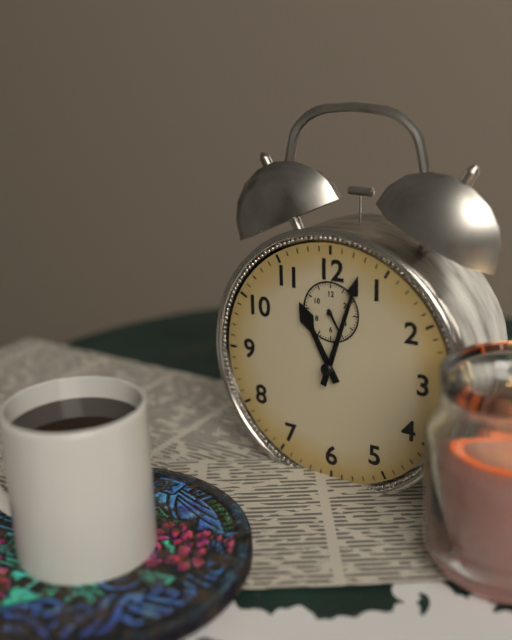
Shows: h=11 m=3
